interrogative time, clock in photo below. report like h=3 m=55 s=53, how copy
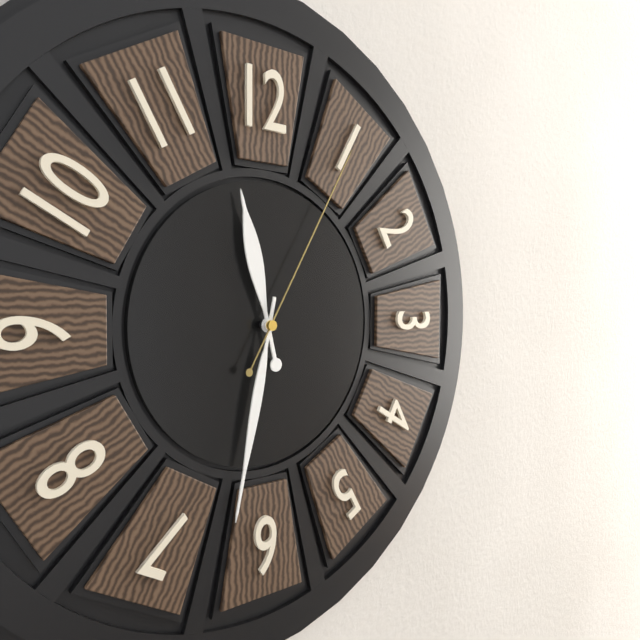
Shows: h=11 m=32 s=5
